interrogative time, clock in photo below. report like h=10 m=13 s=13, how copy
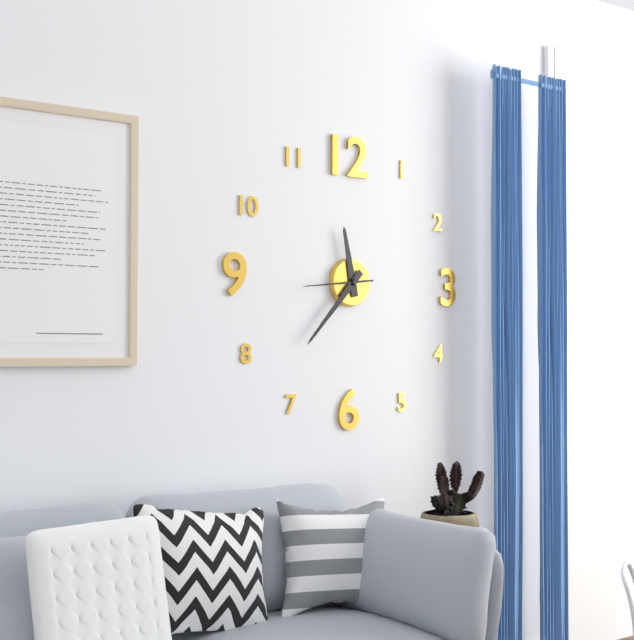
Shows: h=11 m=37 s=44
